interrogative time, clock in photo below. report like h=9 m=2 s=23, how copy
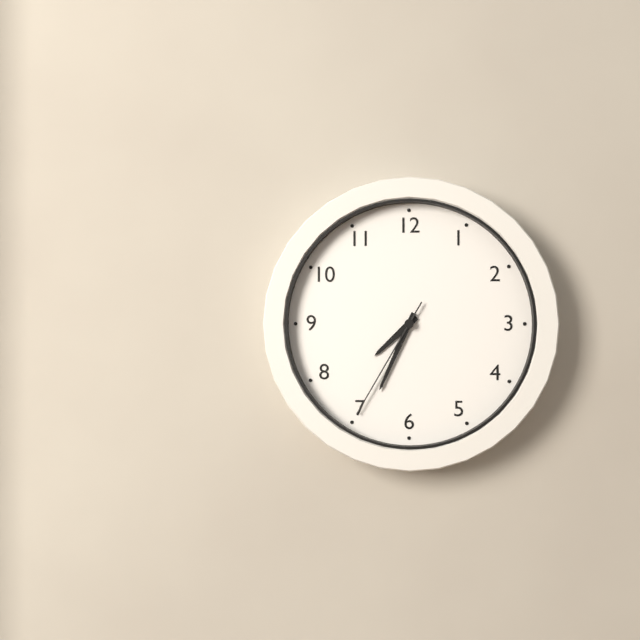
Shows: h=7 m=34 s=35
